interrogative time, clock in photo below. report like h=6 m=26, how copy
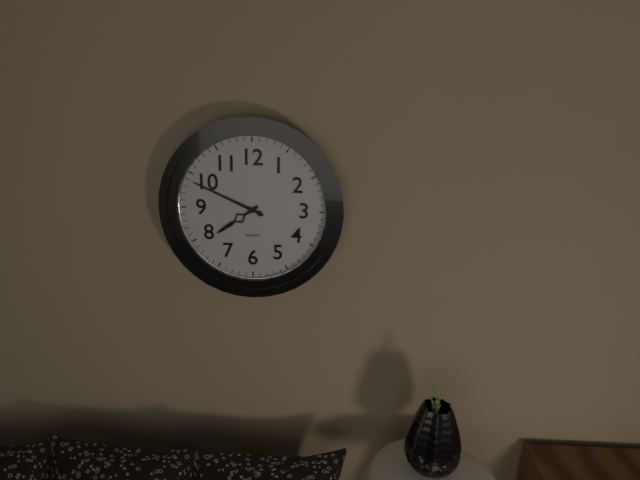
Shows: h=7 m=49
